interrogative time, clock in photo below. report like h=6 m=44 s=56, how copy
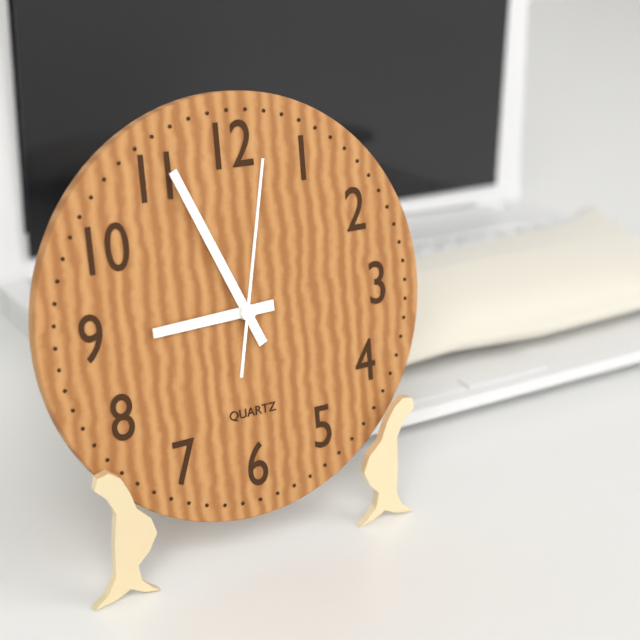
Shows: h=8 m=56 s=2
